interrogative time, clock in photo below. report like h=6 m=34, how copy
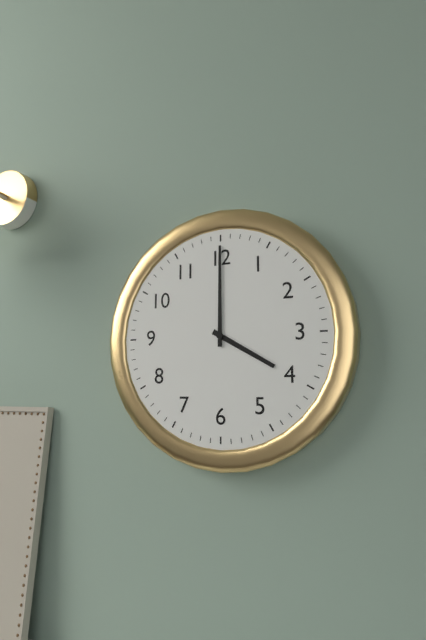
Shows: h=4 m=0
